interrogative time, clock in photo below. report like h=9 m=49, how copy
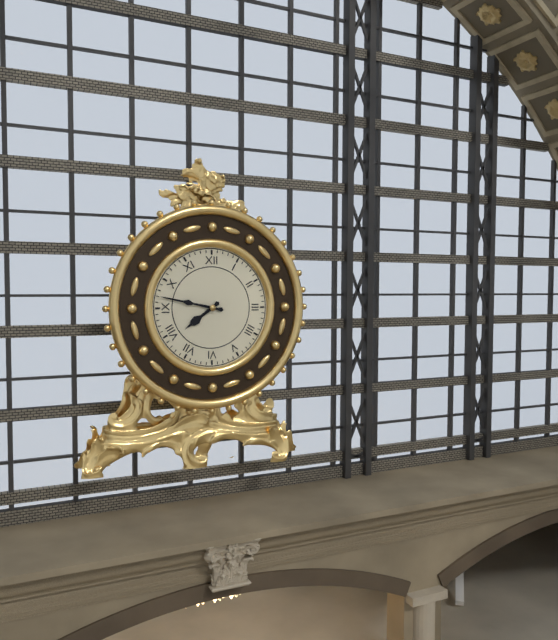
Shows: h=7 m=47
